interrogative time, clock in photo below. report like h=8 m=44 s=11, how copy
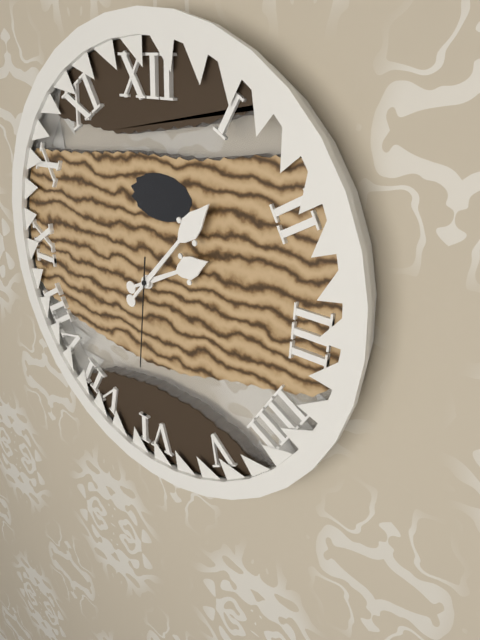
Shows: h=2 m=7 s=31
